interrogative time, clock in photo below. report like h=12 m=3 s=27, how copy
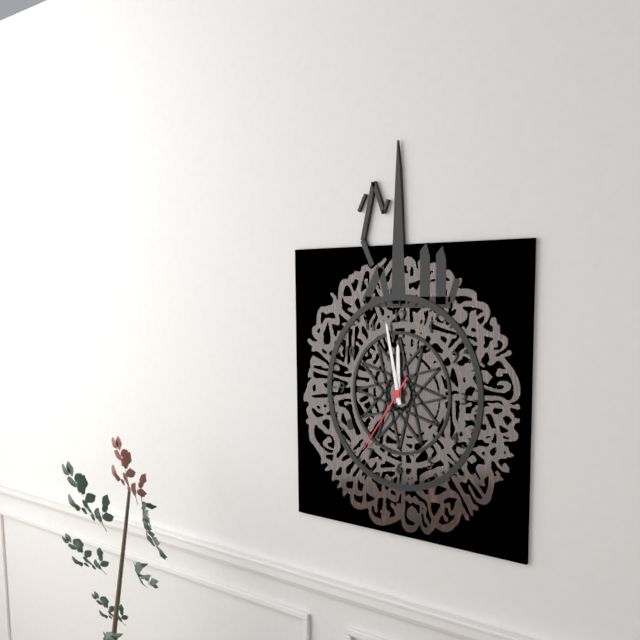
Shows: h=11 m=58 s=36
